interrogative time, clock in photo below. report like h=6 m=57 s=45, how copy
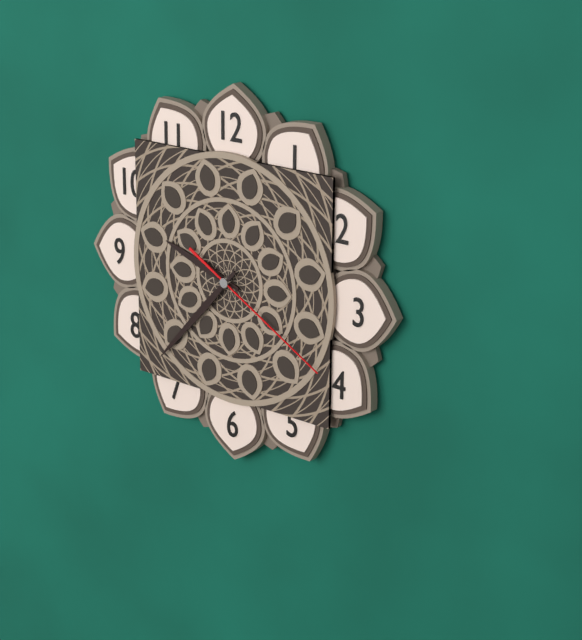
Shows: h=9 m=37 s=20
